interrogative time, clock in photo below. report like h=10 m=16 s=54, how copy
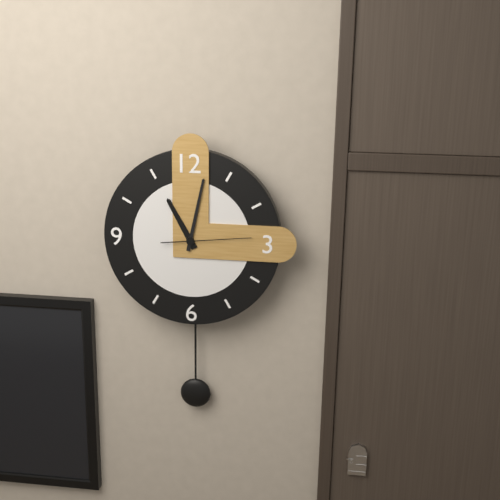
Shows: h=11 m=2 s=14
